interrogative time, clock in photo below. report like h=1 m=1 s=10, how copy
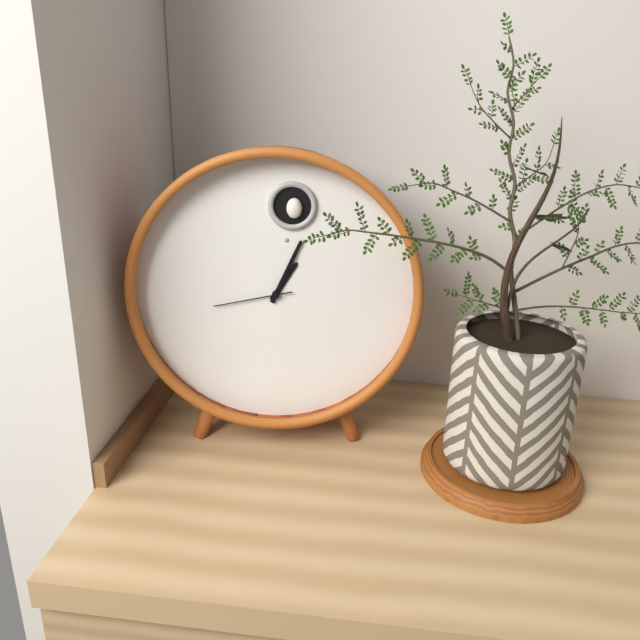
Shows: h=1 m=4 s=43
